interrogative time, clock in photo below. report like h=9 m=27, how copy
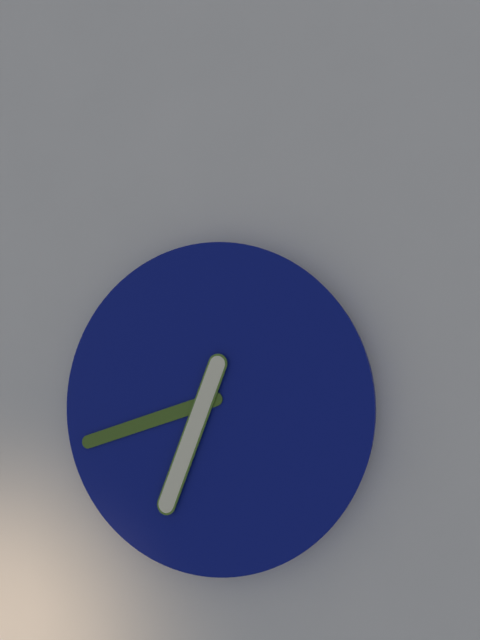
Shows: h=6 m=42
